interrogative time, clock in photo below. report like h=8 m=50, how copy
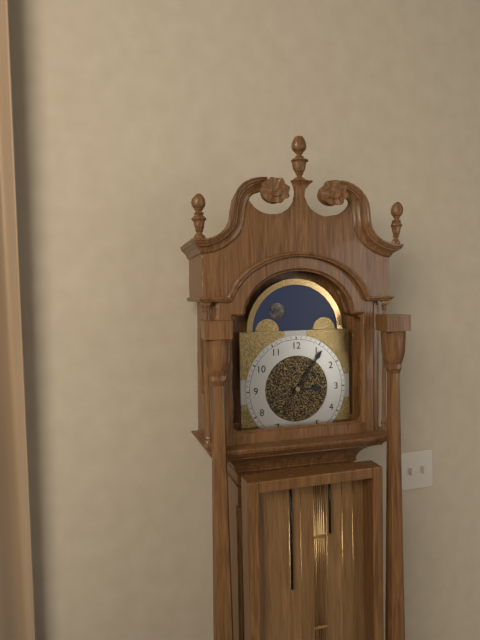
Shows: h=3 m=6
